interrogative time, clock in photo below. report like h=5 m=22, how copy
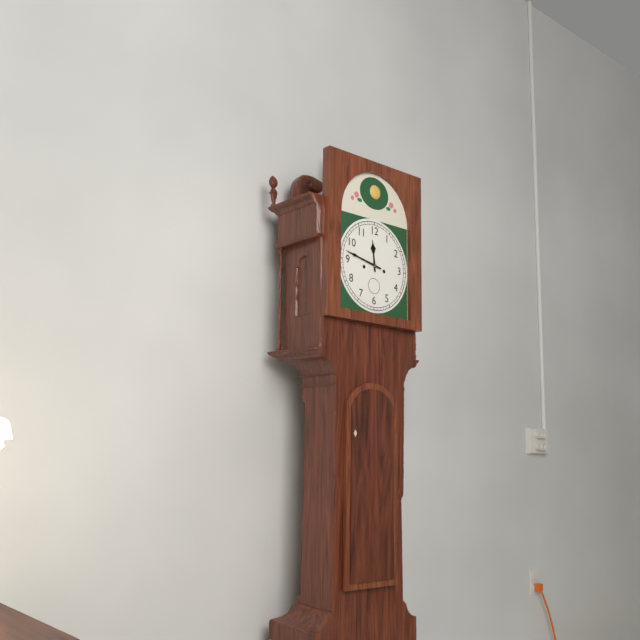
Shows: h=11 m=47
